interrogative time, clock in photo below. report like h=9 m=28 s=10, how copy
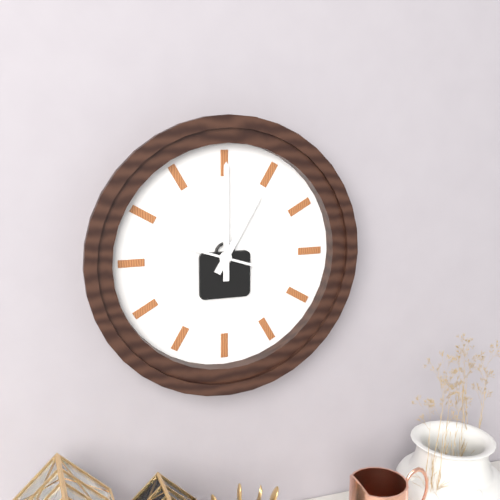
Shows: h=1 m=0 s=48
